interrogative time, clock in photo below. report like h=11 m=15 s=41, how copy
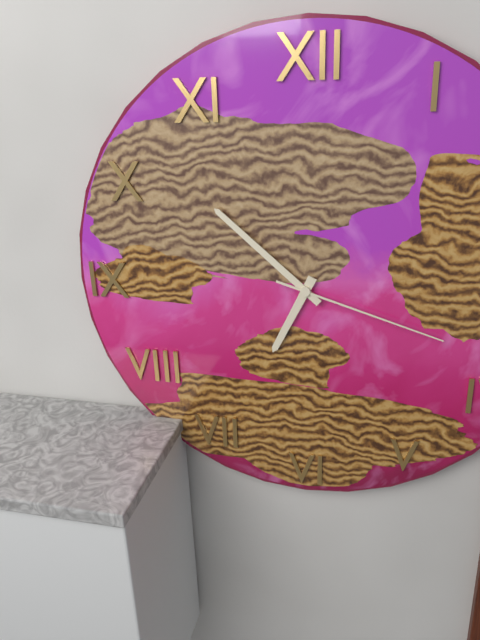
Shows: h=6 m=52 s=18
